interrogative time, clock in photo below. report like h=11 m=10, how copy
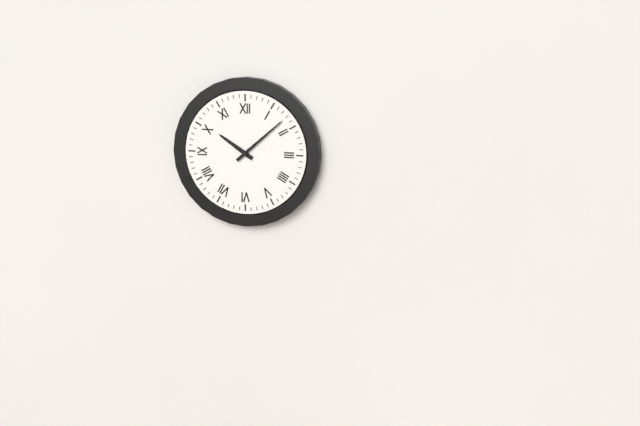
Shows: h=10 m=8
